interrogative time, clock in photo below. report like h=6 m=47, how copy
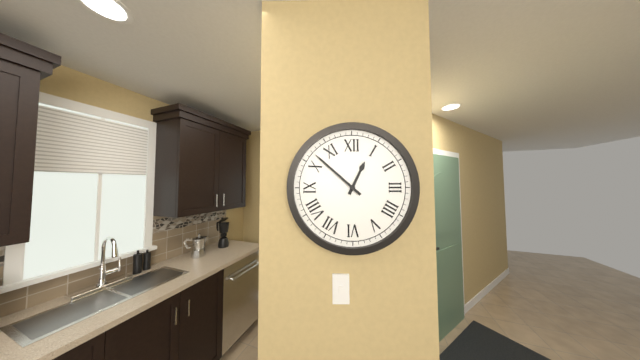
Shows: h=12 m=52
